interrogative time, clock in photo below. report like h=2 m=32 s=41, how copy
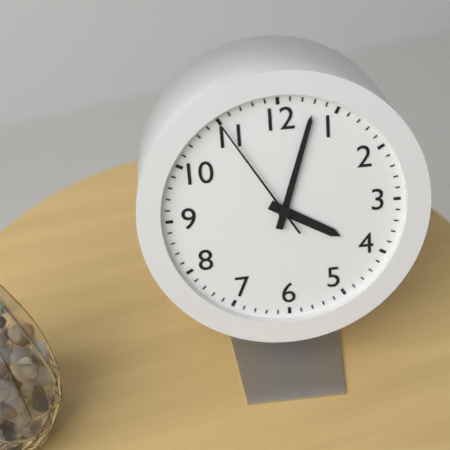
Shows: h=4 m=3 s=55
